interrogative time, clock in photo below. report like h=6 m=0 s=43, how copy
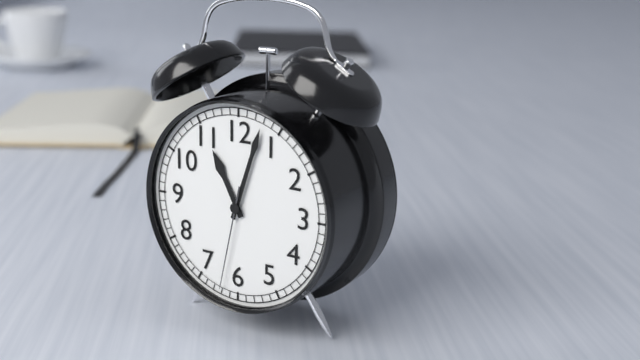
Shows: h=11 m=3 s=32
